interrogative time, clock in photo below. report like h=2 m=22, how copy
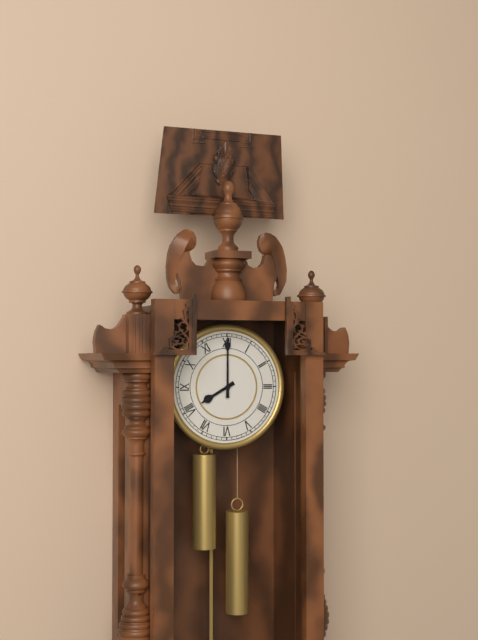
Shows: h=8 m=0
